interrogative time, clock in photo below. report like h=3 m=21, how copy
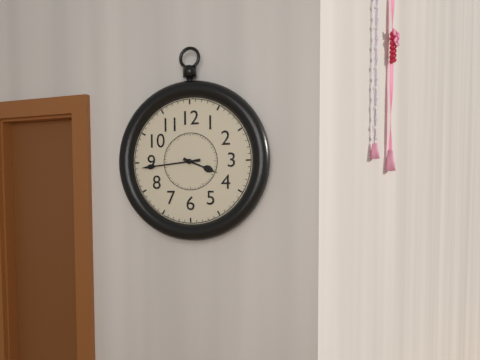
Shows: h=3 m=44
